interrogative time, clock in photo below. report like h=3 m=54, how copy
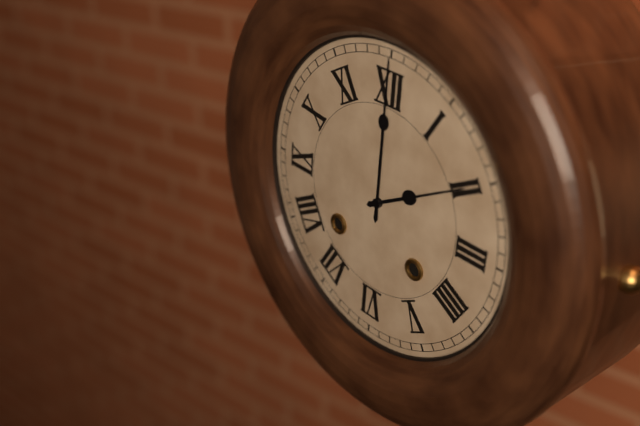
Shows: h=2 m=0
